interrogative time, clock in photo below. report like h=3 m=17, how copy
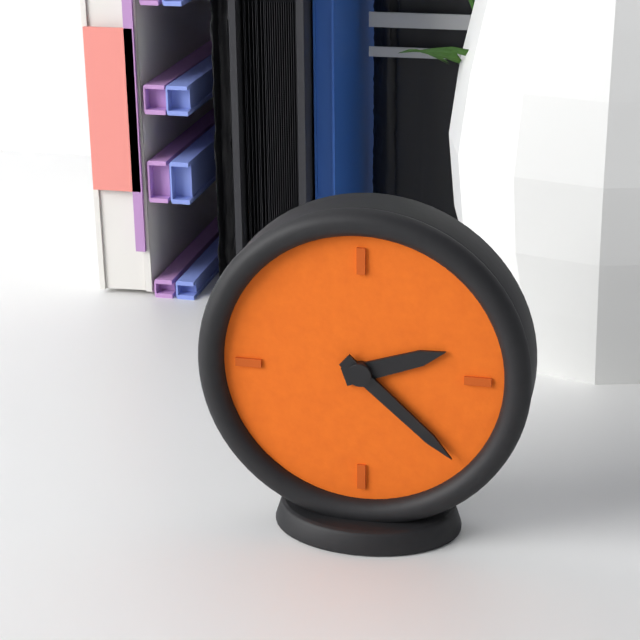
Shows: h=2 m=22
